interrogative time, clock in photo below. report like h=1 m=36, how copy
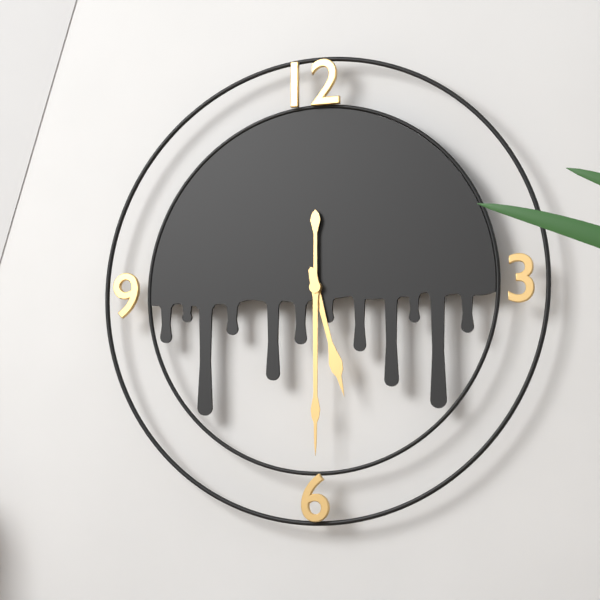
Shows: h=5 m=30
